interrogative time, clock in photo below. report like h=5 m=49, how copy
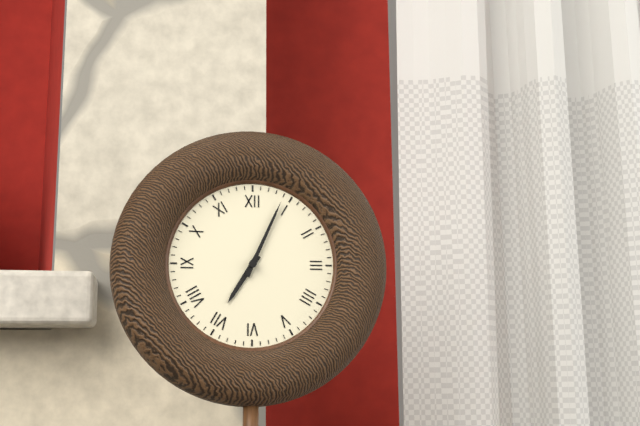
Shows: h=7 m=4
